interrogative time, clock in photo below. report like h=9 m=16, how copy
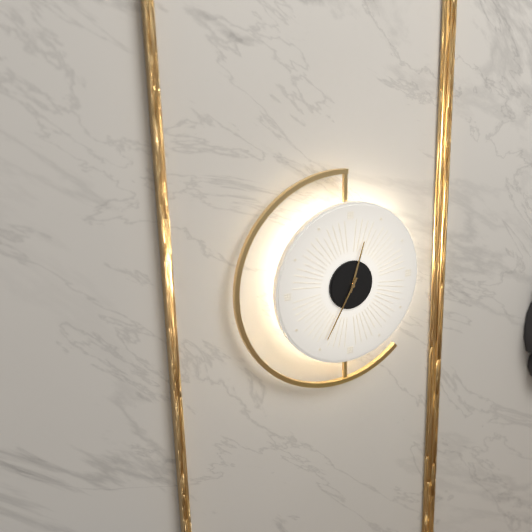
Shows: h=12 m=35
